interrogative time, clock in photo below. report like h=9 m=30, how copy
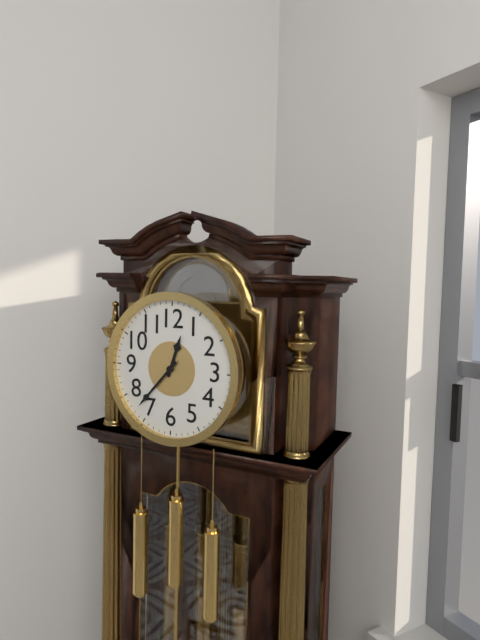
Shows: h=12 m=37
